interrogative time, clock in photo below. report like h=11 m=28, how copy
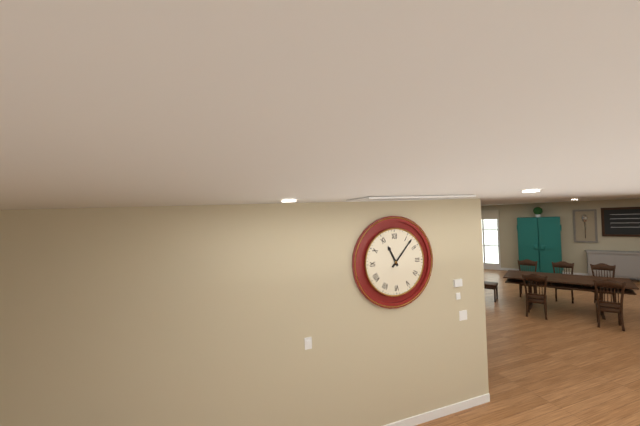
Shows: h=11 m=7
